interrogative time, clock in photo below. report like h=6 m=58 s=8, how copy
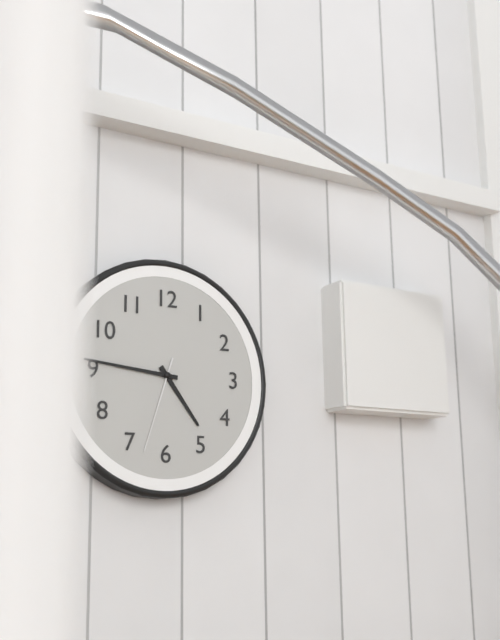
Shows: h=4 m=46 s=33
